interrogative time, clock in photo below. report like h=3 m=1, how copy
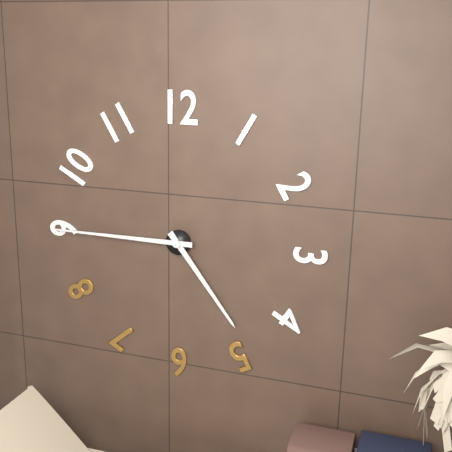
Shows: h=4 m=45
